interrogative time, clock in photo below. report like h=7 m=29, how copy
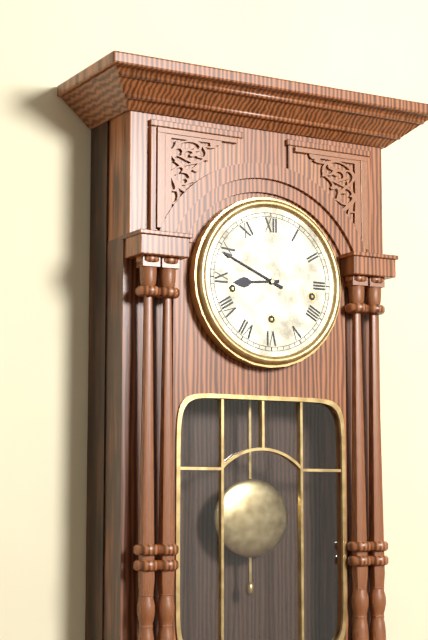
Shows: h=8 m=49
